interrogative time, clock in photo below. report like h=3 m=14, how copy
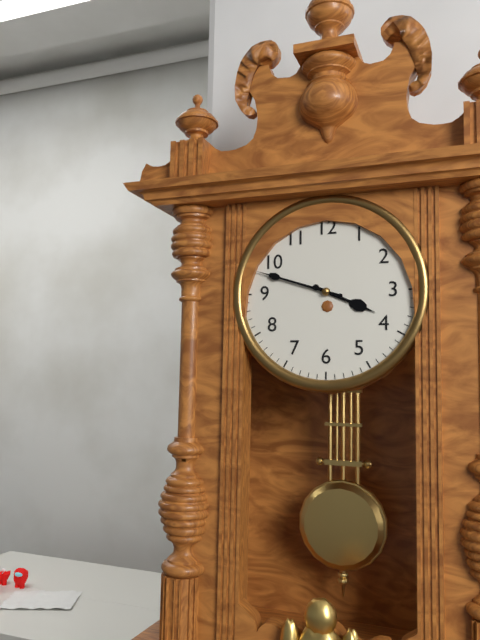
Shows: h=3 m=48
